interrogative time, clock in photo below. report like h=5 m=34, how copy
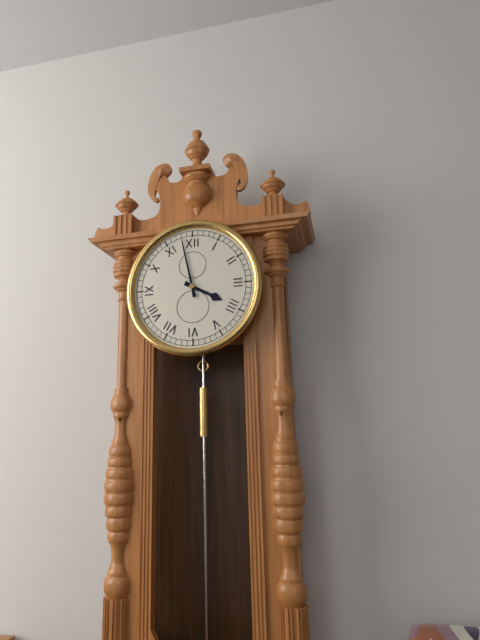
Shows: h=3 m=58
